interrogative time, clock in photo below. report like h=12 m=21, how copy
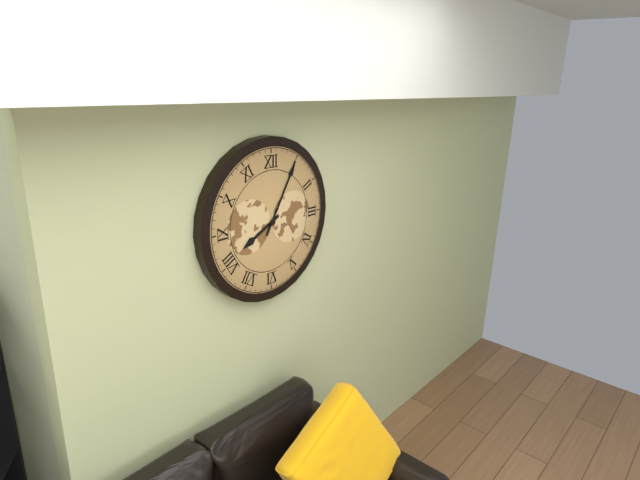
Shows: h=8 m=5
